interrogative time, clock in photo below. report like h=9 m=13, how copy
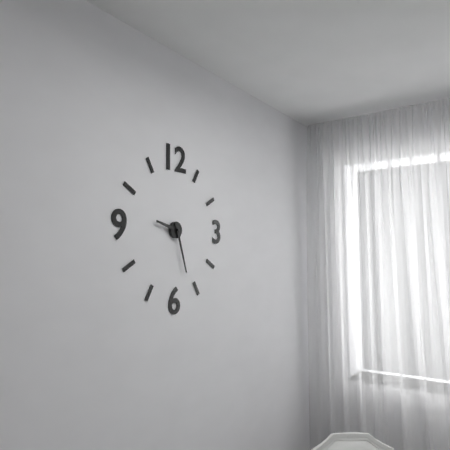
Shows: h=9 m=27
